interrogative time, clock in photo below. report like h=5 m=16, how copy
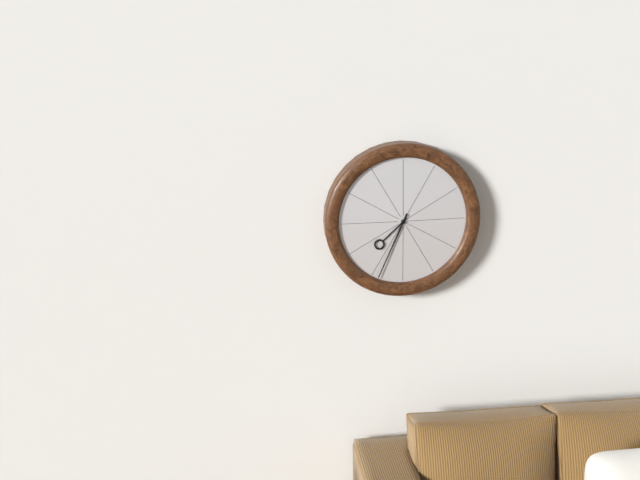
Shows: h=7 m=34
